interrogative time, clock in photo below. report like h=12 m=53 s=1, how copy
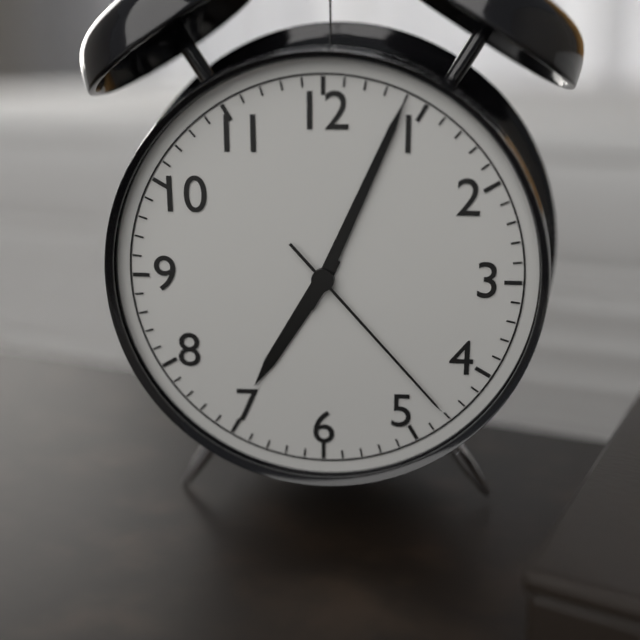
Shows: h=7 m=4 s=23
